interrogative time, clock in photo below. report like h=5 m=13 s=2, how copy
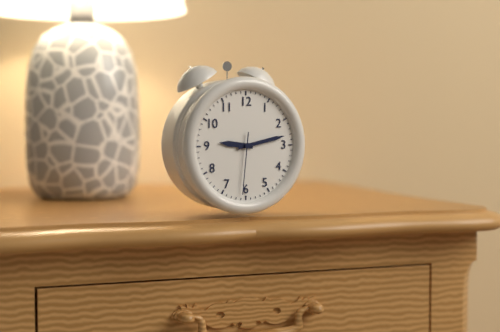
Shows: h=9 m=13 s=31
